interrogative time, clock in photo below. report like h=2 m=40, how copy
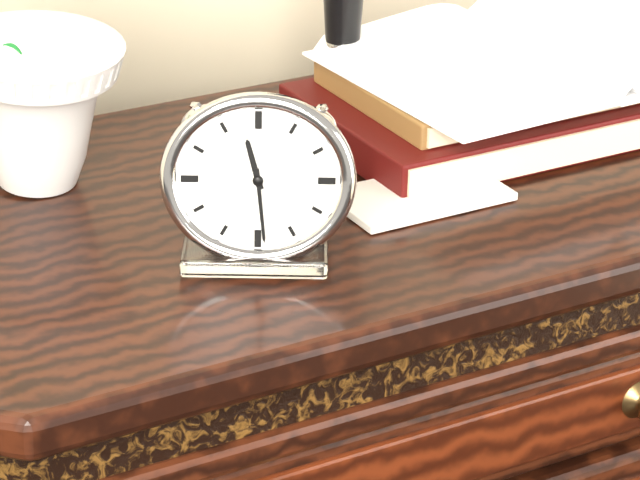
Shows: h=11 m=29
